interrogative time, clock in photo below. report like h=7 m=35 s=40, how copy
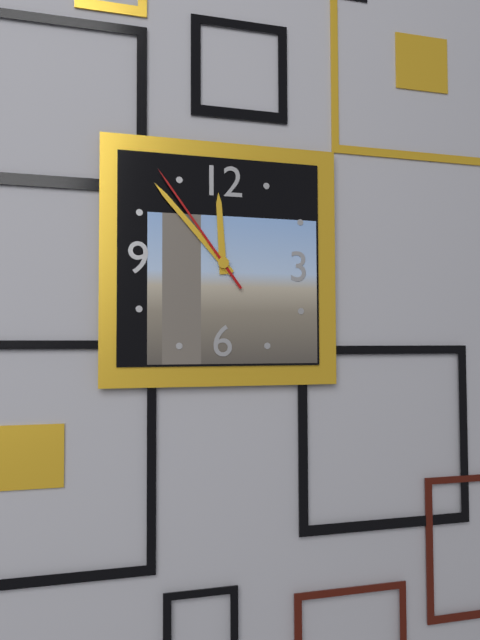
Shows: h=11 m=53 s=54
